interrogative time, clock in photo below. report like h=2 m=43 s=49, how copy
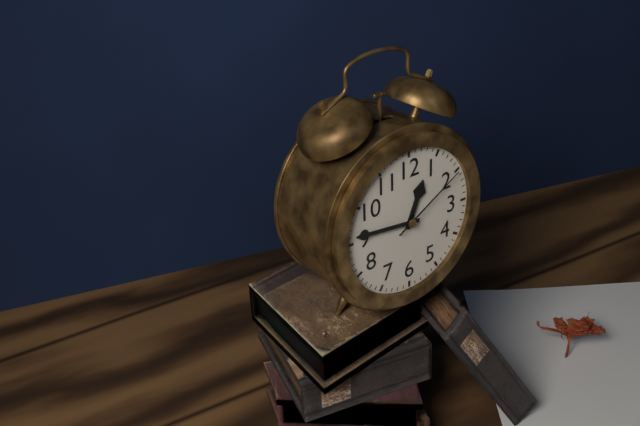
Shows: h=12 m=46 s=10
